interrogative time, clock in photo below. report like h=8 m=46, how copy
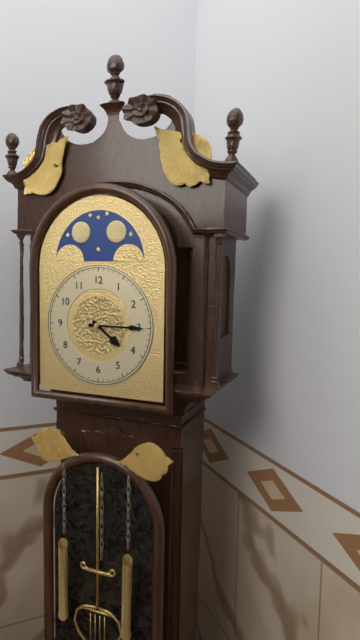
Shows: h=4 m=15
